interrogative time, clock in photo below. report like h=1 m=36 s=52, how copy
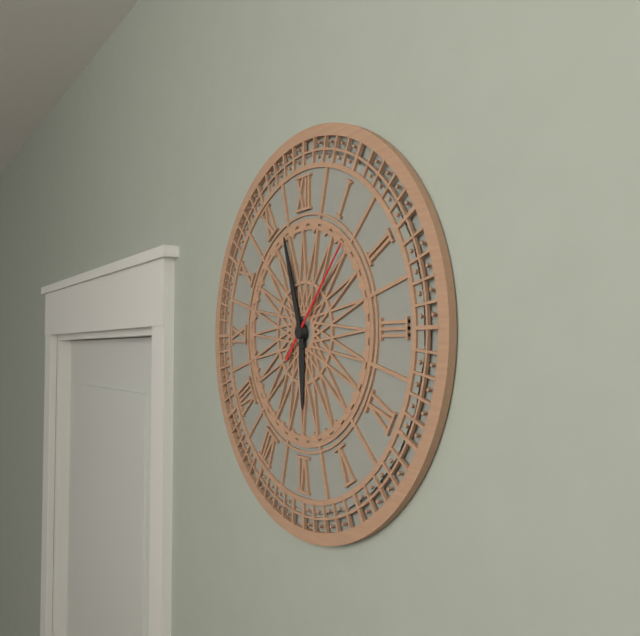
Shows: h=5 m=57 s=7
